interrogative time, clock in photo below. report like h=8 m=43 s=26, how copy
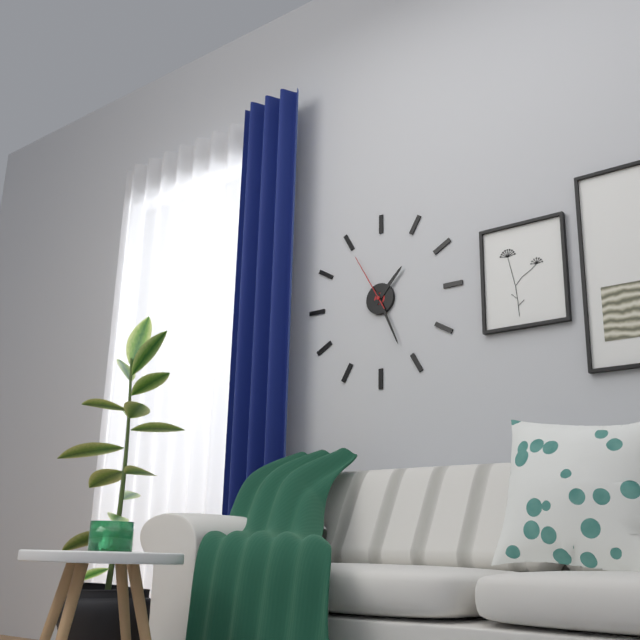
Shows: h=1 m=26 s=55
